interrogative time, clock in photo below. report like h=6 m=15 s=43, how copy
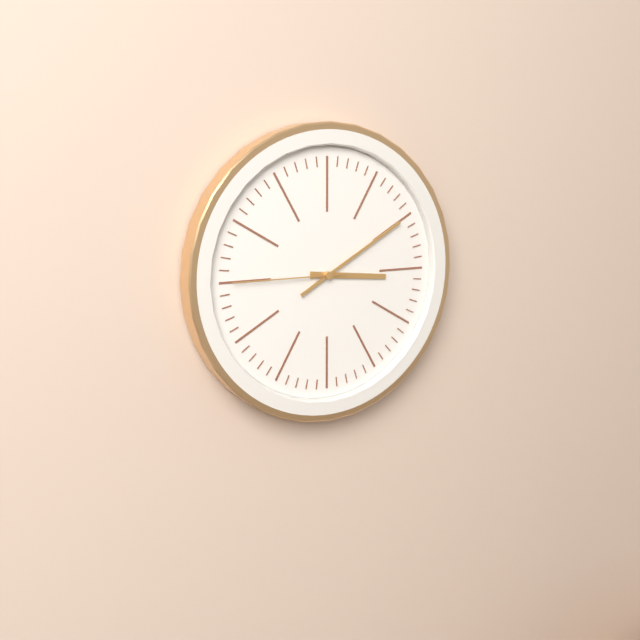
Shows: h=3 m=10 s=45
